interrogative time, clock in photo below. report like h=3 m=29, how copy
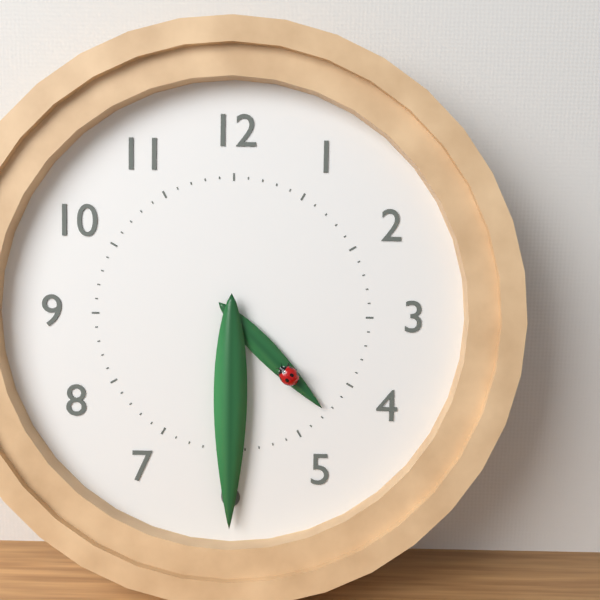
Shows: h=4 m=30
